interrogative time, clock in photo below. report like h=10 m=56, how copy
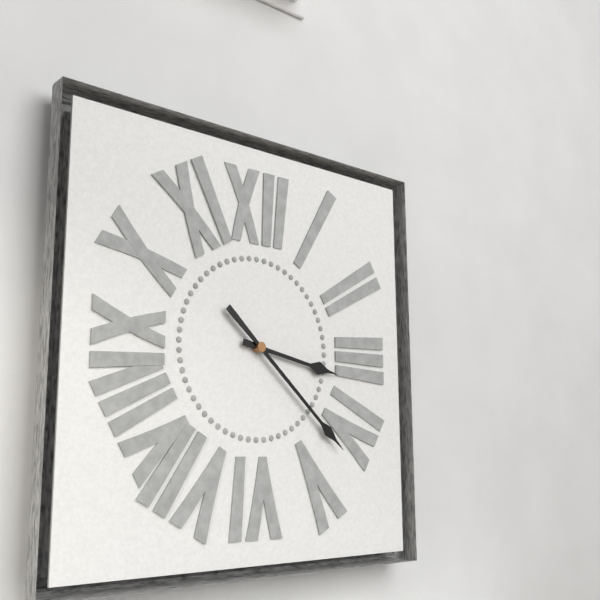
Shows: h=3 m=22
